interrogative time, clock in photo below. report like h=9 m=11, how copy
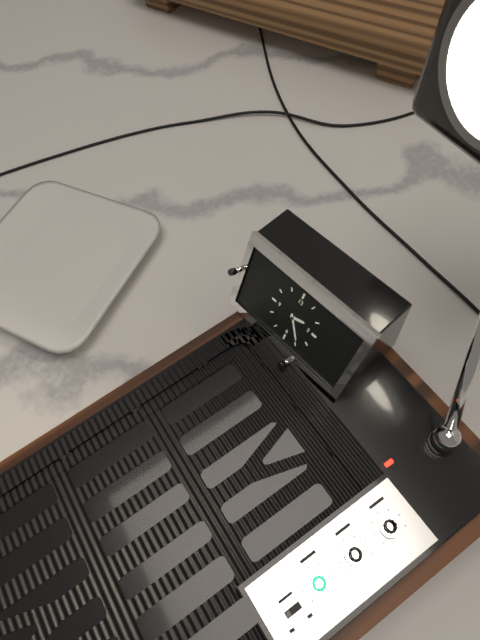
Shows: h=2 m=24
